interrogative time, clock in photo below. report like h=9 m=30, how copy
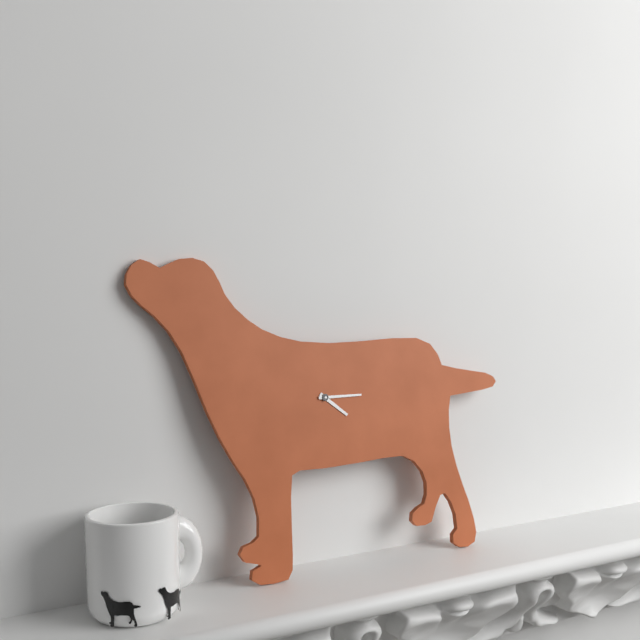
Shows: h=4 m=15
